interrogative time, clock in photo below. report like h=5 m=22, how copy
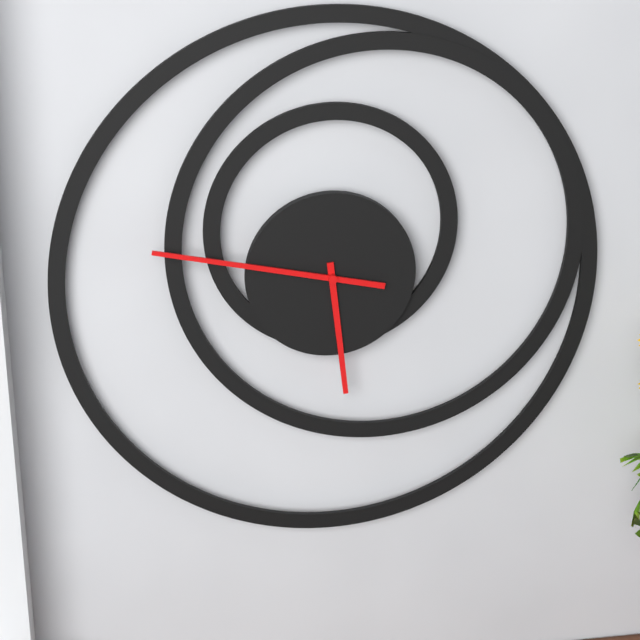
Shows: h=5 m=47
